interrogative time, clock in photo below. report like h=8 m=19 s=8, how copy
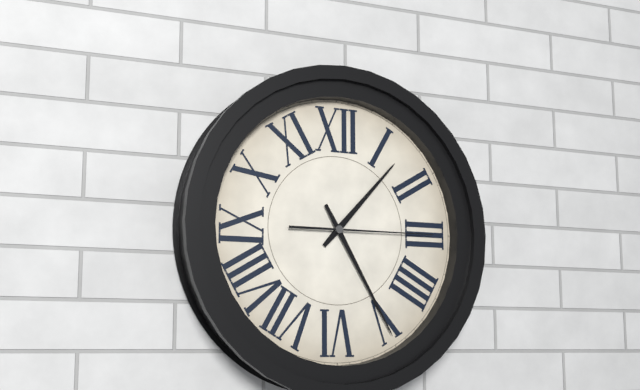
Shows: h=1 m=25 s=15
